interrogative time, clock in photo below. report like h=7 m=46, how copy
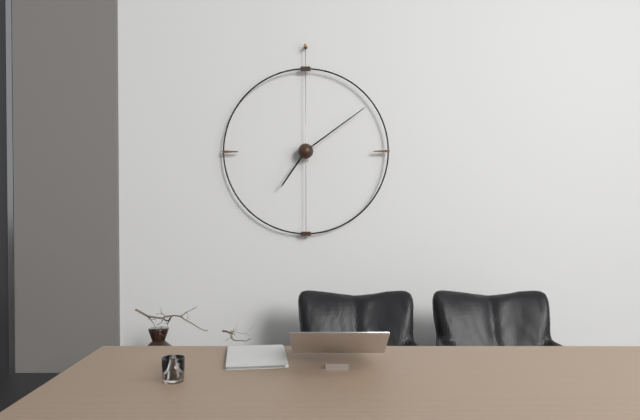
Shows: h=7 m=9
